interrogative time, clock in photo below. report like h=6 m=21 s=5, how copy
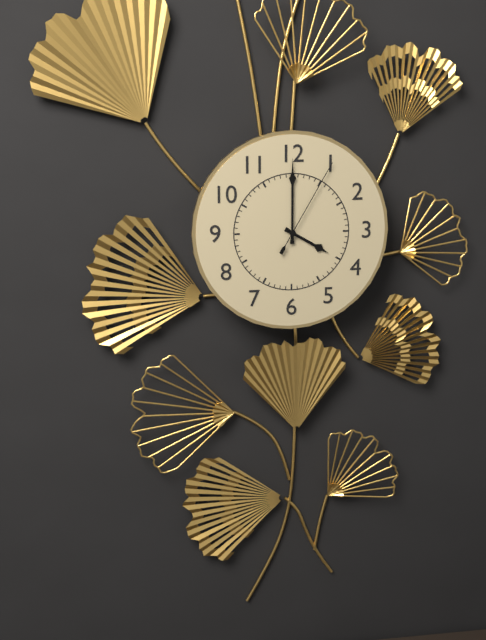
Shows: h=4 m=0 s=5
